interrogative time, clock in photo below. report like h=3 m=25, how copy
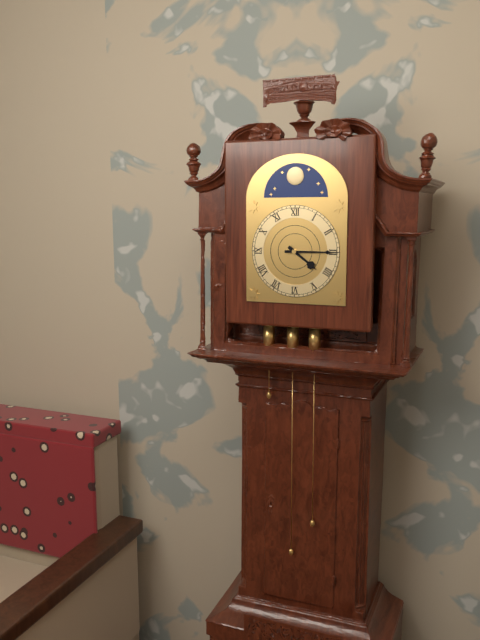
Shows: h=4 m=15
